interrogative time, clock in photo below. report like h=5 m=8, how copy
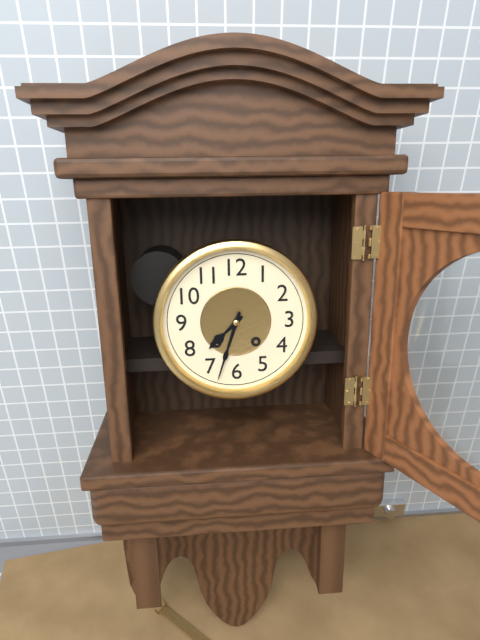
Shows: h=7 m=33
